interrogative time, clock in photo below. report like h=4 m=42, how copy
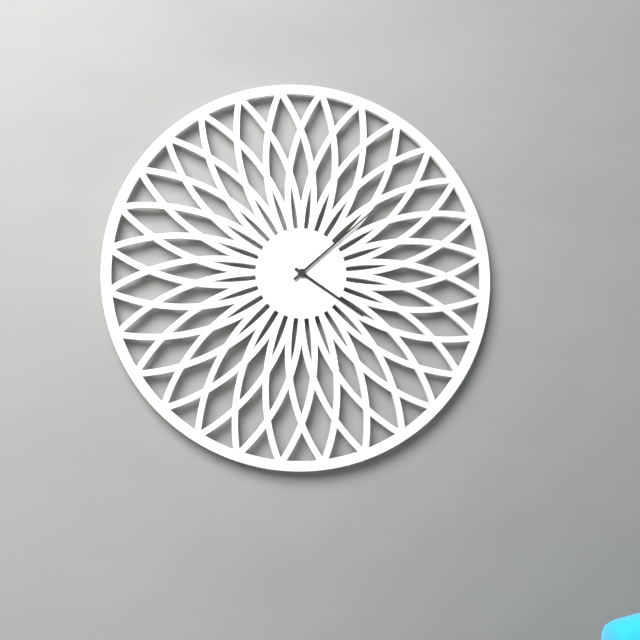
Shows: h=4 m=8
